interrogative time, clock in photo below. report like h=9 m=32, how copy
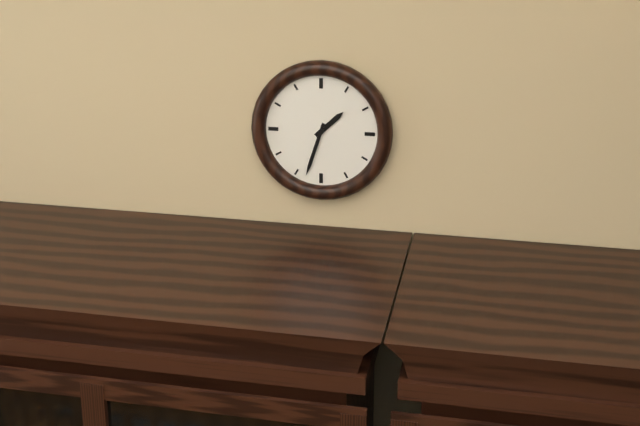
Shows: h=1 m=33
